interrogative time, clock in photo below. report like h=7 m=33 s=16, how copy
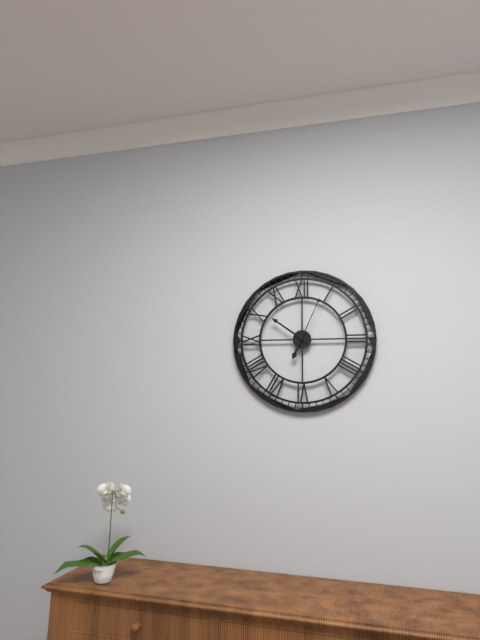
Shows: h=6 m=51 s=4
